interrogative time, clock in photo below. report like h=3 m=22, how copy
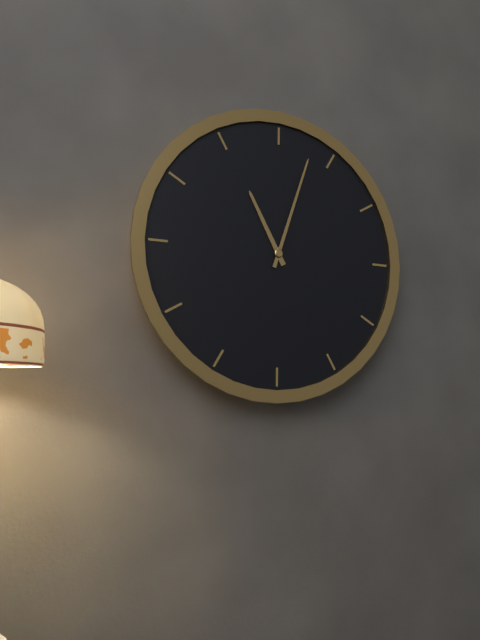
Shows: h=11 m=3
